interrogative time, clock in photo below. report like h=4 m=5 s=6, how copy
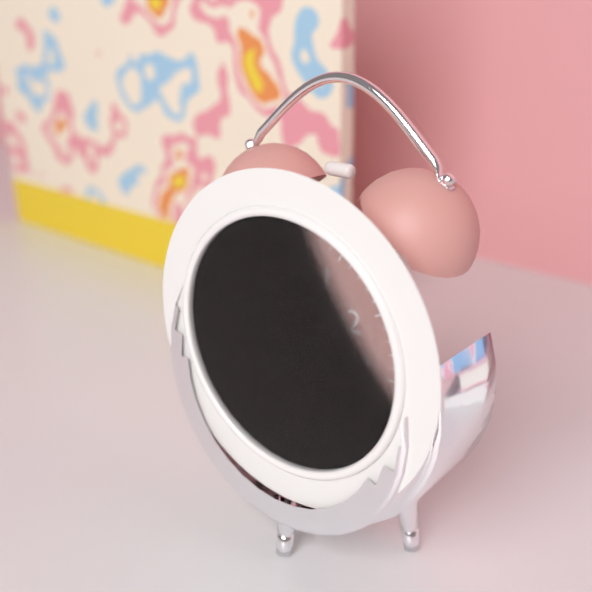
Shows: h=10 m=17 s=50
